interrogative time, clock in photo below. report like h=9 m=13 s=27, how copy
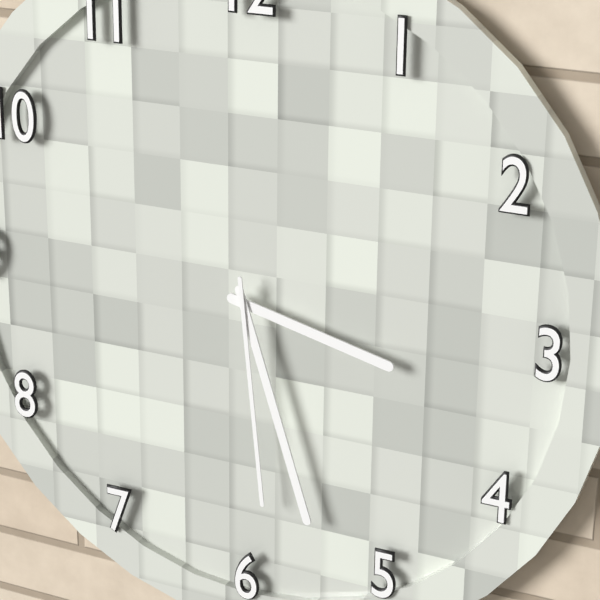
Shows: h=3 m=27 s=29
